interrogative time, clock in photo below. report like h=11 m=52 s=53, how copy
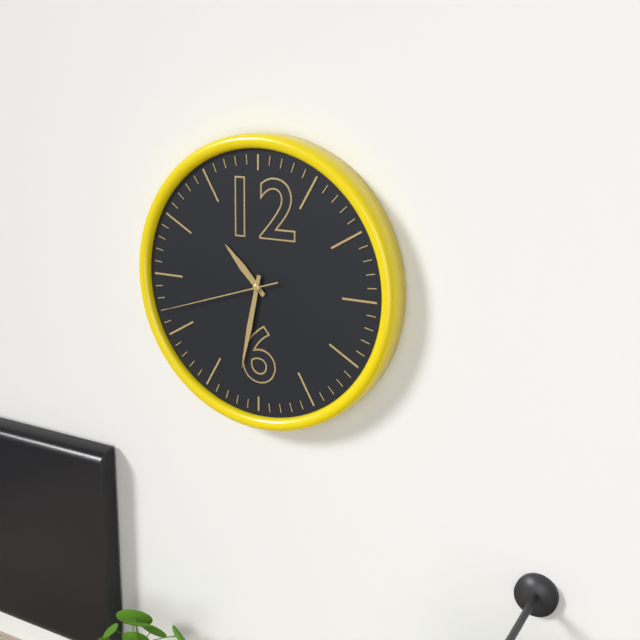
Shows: h=10 m=32 s=42
